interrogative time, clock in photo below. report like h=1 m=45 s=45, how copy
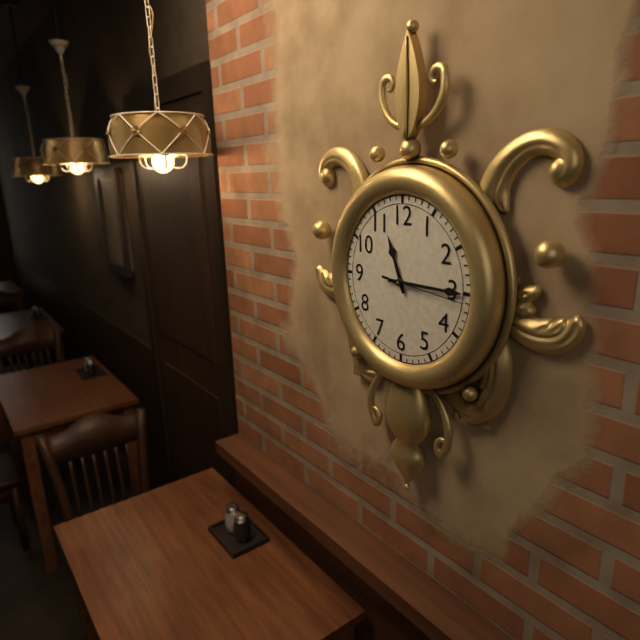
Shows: h=11 m=15 s=16
